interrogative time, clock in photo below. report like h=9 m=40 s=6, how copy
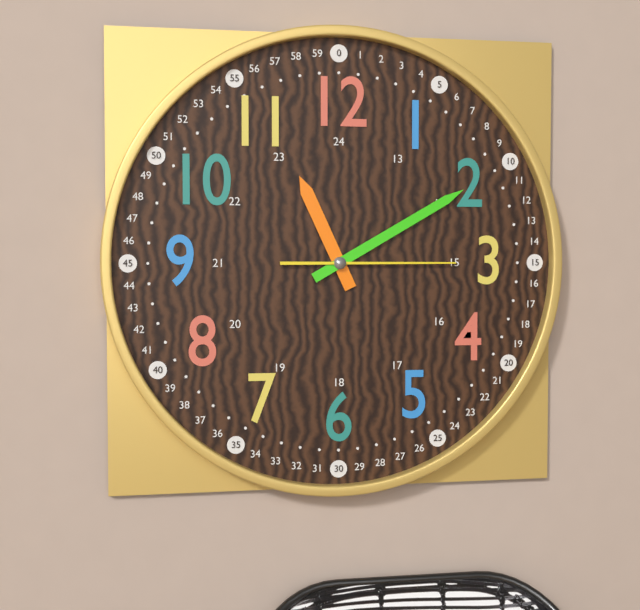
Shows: h=11 m=10 s=15
